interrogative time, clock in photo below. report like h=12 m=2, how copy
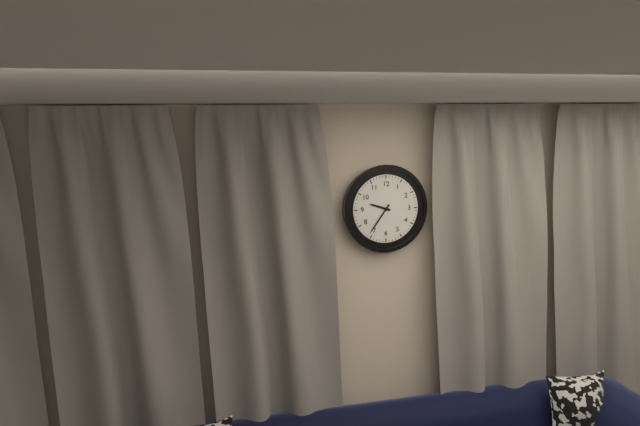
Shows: h=9 m=36
